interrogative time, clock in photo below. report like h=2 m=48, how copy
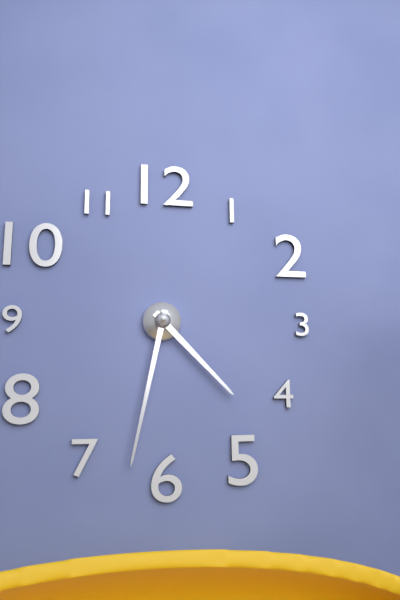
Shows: h=4 m=32
